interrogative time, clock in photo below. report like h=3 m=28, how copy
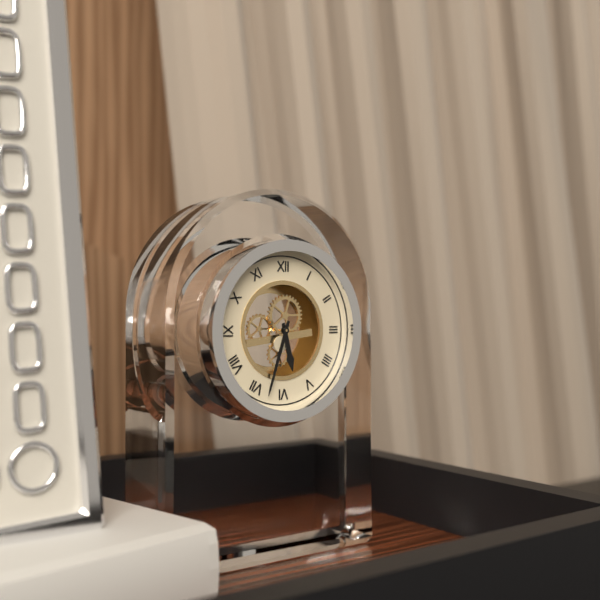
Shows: h=5 m=33
